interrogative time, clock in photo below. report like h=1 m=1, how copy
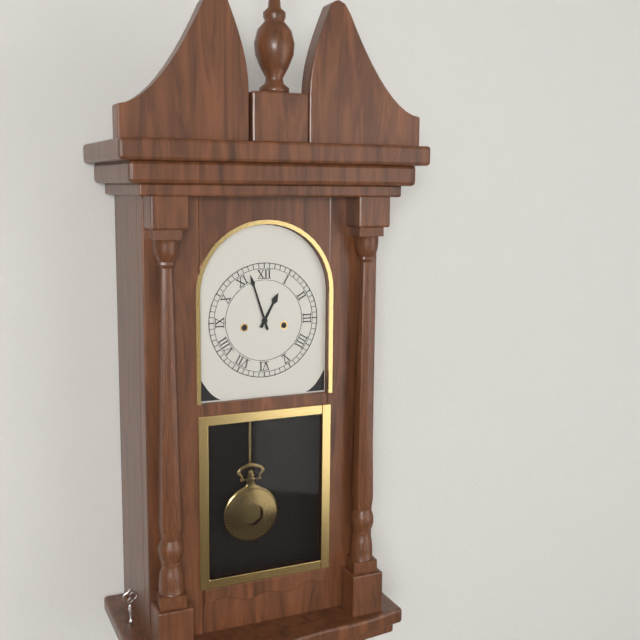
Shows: h=12 m=57
